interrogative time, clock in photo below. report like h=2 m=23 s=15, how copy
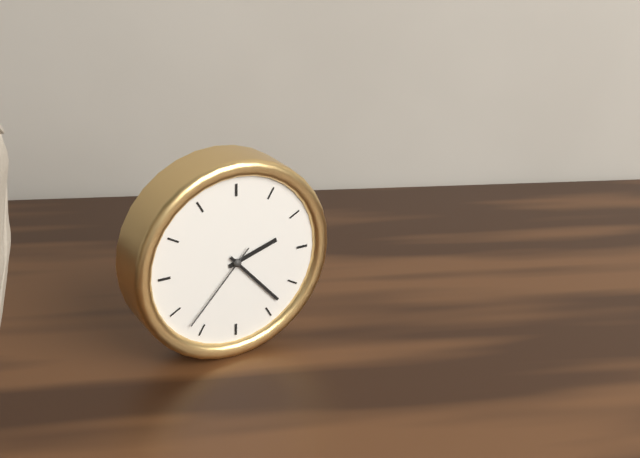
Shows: h=2 m=23 s=37
